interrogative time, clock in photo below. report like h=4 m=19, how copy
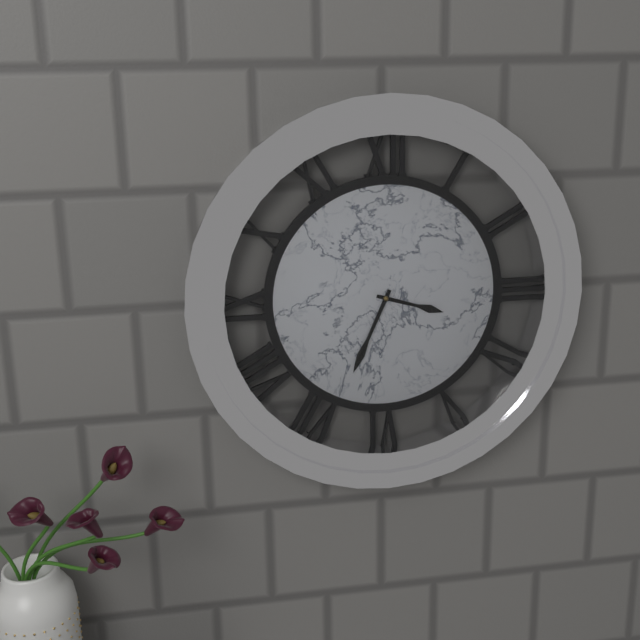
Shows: h=3 m=34
